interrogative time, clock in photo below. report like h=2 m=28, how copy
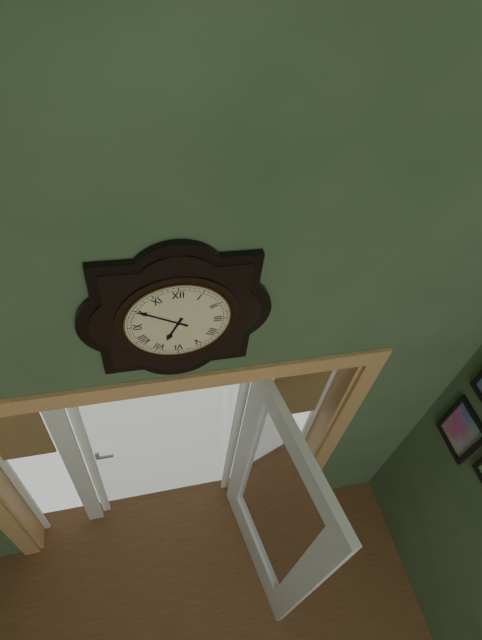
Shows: h=6 m=50
